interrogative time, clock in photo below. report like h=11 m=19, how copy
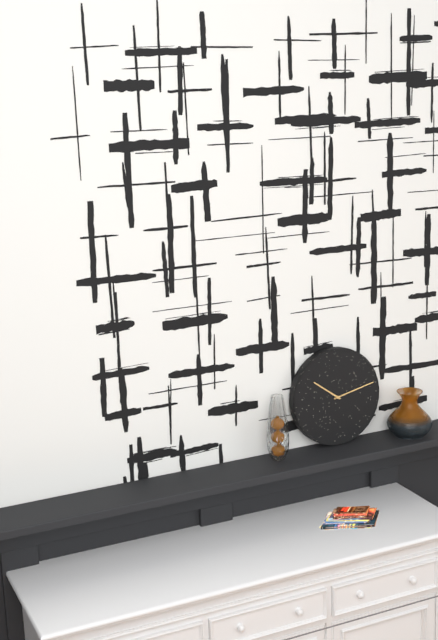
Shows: h=10 m=13
